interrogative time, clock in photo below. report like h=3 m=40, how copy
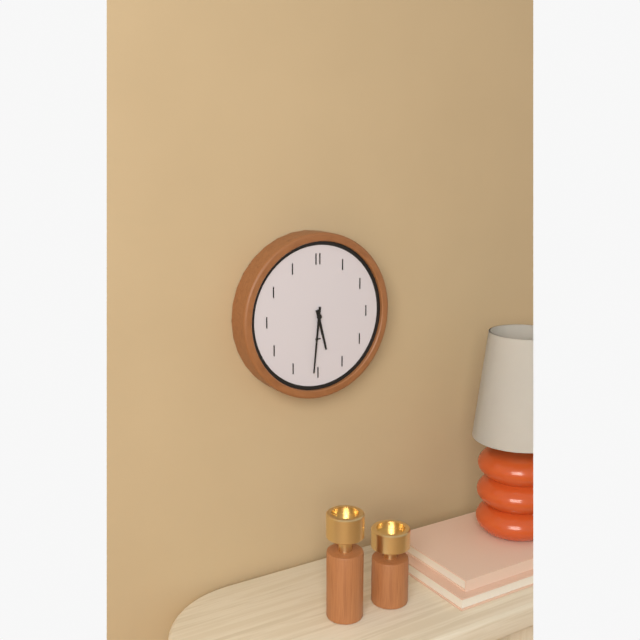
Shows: h=5 m=31
